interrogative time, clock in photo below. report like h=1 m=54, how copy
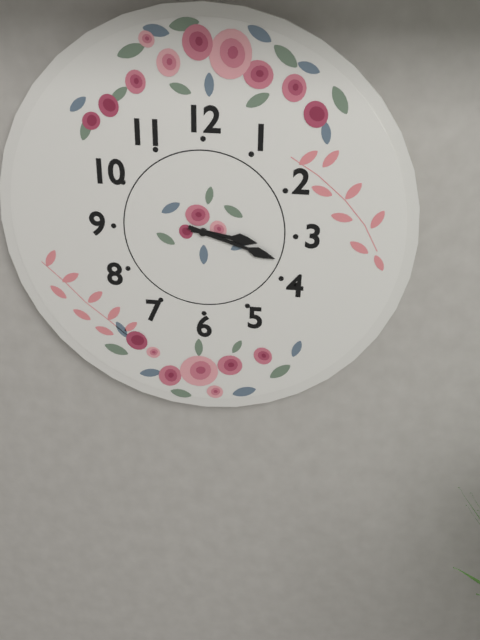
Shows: h=3 m=18
